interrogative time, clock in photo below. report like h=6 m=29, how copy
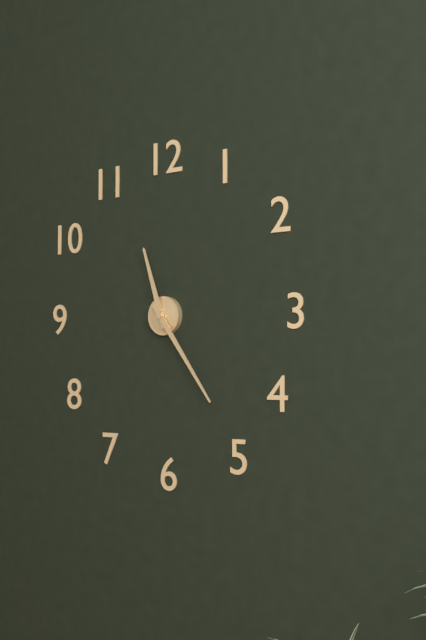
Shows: h=11 m=24
